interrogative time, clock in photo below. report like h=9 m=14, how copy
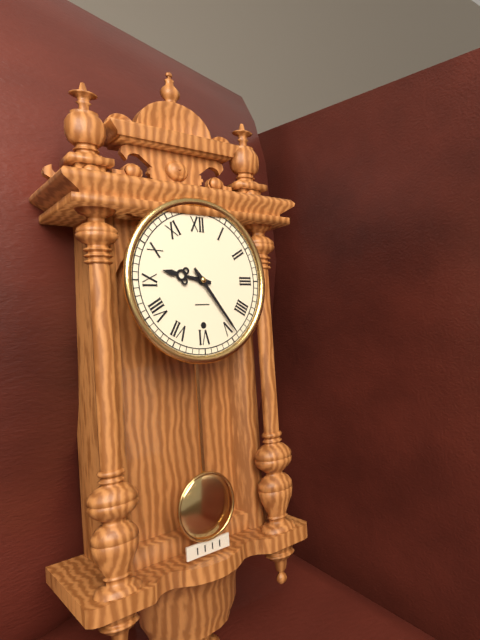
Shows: h=9 m=24
